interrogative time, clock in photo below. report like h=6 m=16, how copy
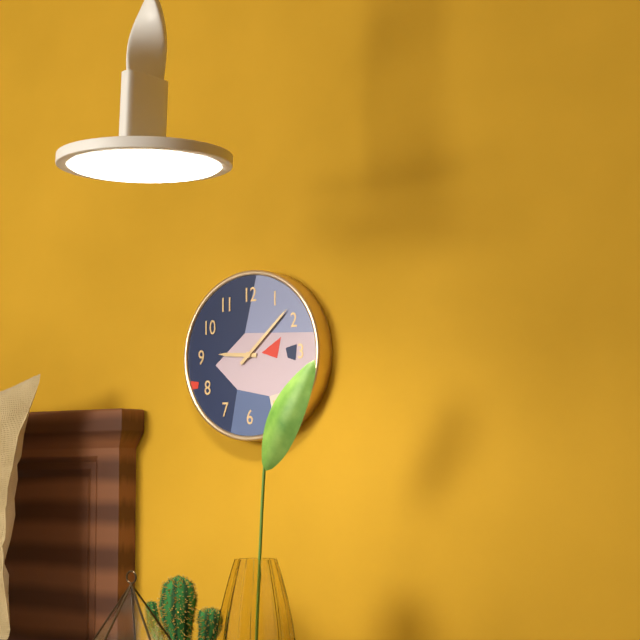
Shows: h=9 m=8
